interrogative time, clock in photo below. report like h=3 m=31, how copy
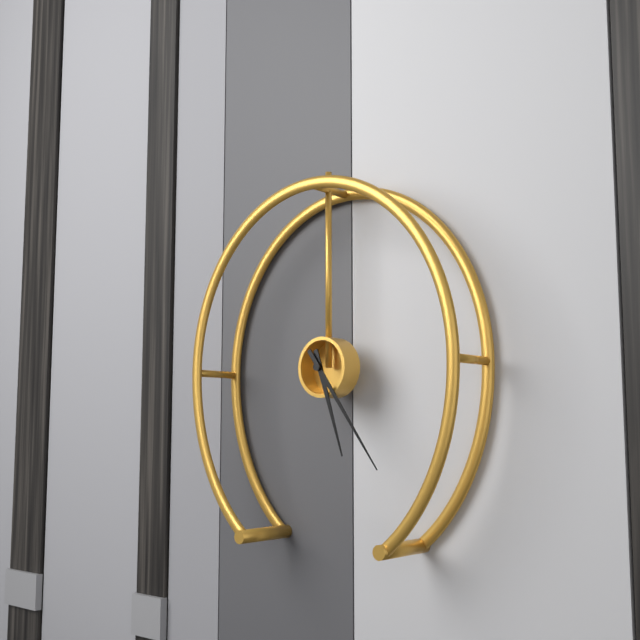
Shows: h=5 m=24
